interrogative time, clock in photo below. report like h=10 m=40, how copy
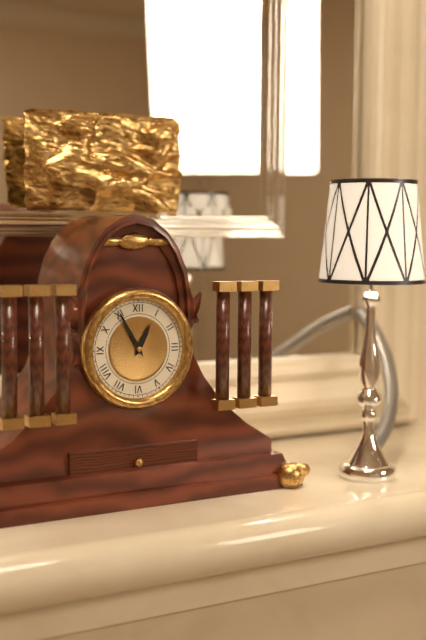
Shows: h=12 m=55
